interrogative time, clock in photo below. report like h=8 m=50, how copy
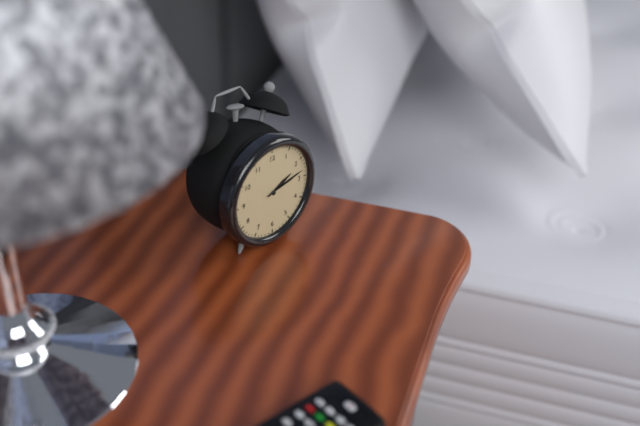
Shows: h=2 m=13
